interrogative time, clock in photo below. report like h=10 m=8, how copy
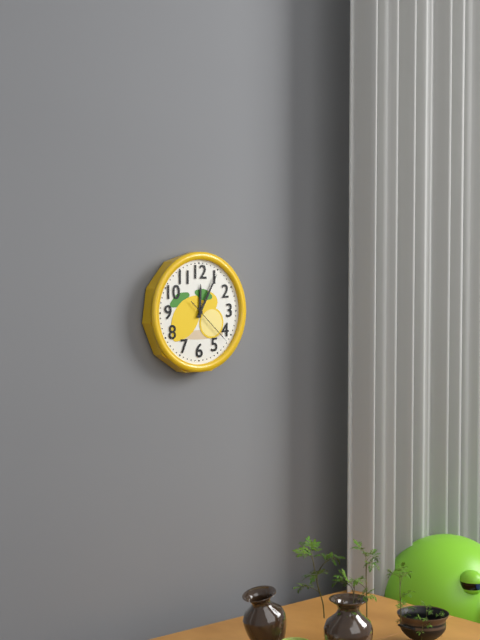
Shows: h=12 m=5
